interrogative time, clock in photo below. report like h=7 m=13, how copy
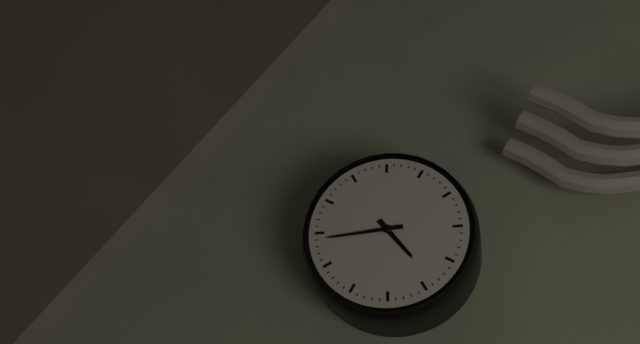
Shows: h=4 m=44
